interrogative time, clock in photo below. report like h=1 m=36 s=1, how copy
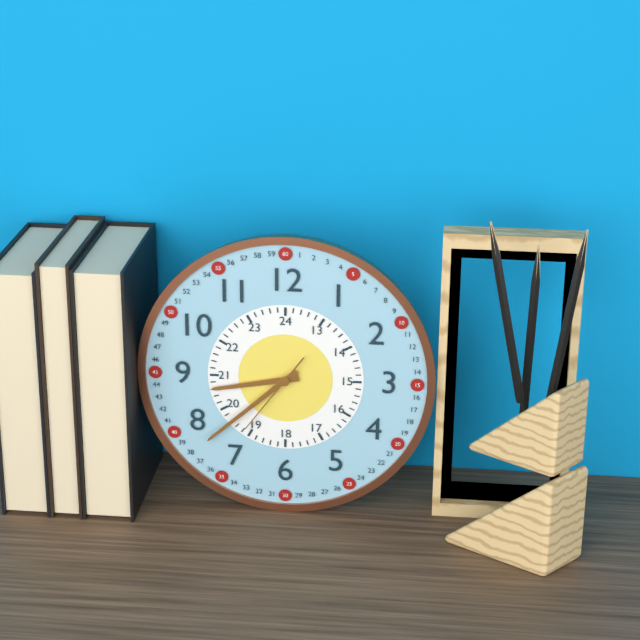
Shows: h=8 m=38 s=36
